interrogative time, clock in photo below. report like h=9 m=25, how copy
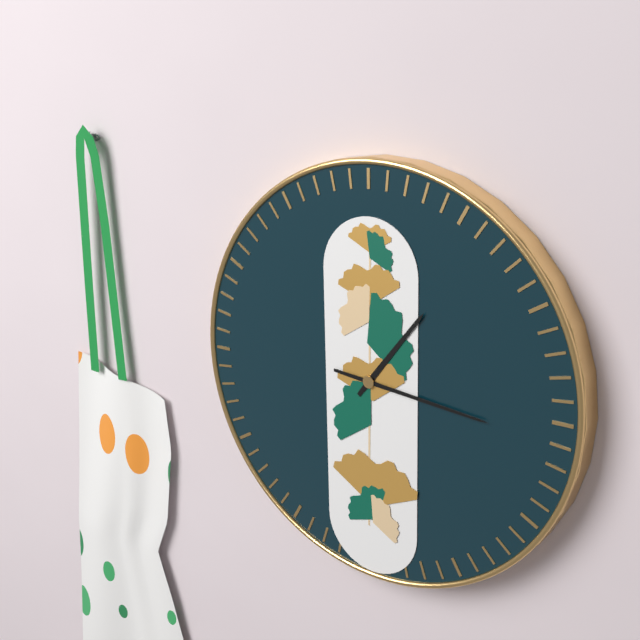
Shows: h=1 m=16
